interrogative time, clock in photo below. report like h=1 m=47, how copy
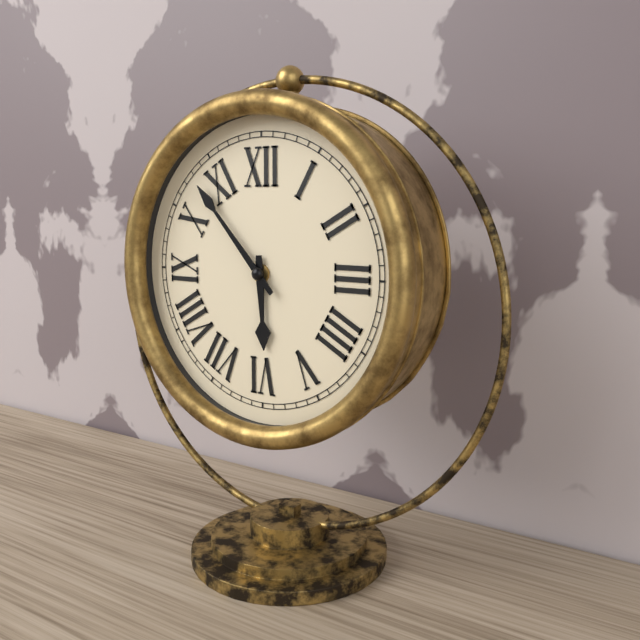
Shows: h=5 m=53
